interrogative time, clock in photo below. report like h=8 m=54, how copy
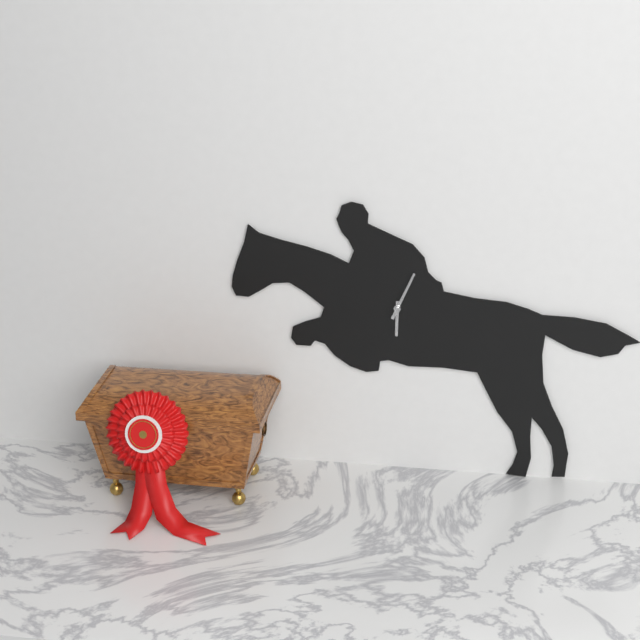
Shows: h=6 m=4
